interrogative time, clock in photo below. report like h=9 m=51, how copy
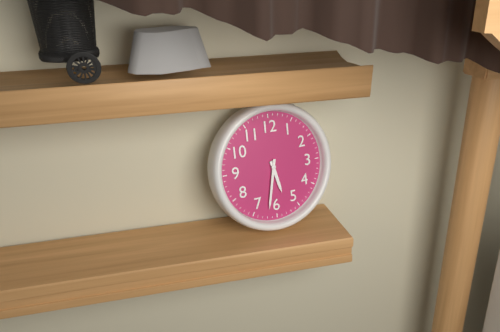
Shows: h=5 m=32
